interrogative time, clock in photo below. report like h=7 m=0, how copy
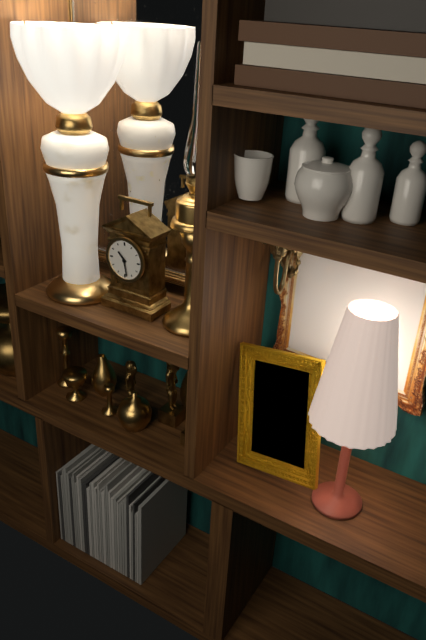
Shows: h=10 m=28
